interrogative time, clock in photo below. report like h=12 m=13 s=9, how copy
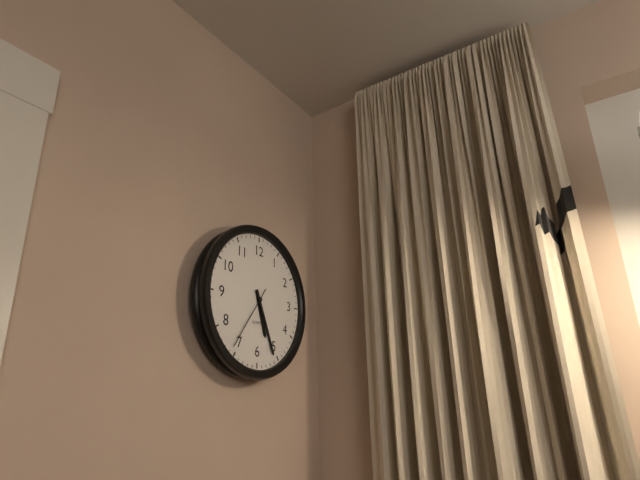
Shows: h=5 m=26 s=36
